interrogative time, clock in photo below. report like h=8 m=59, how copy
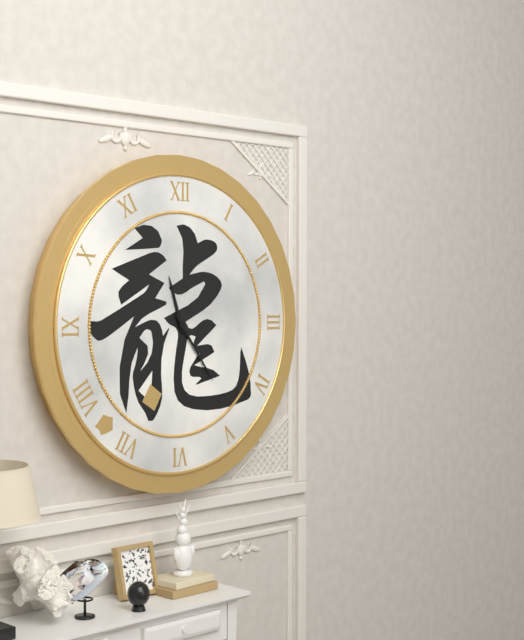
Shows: h=11 m=24
